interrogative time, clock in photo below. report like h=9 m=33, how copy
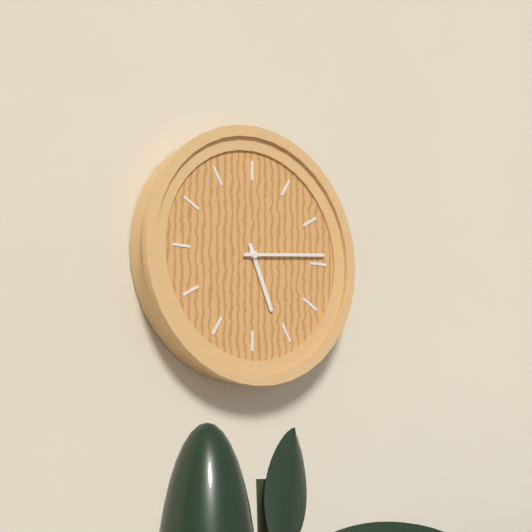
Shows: h=5 m=14
